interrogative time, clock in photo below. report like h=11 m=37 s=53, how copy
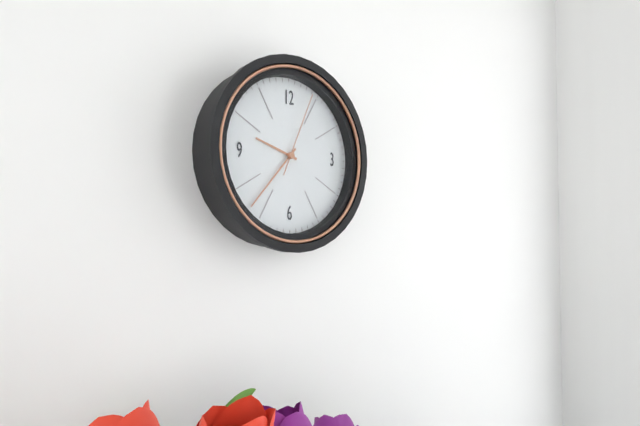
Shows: h=9 m=37 s=4
